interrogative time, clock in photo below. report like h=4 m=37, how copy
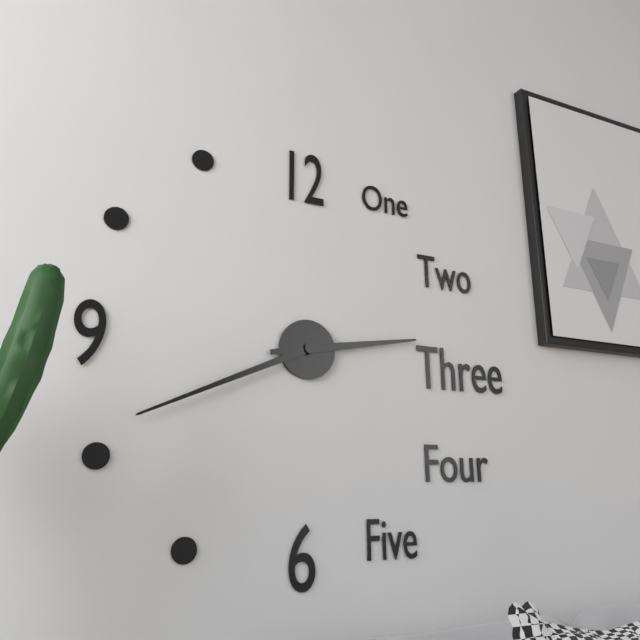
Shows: h=2 m=41
